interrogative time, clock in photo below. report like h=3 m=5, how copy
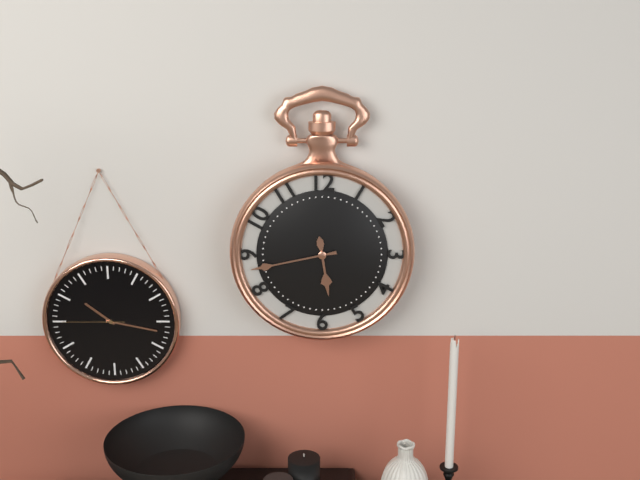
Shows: h=5 m=43
